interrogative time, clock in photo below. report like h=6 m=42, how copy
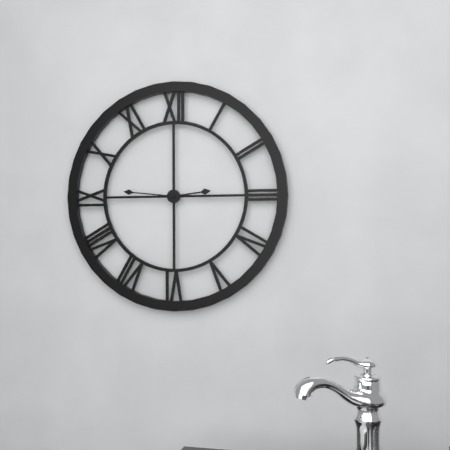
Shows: h=2 m=46
